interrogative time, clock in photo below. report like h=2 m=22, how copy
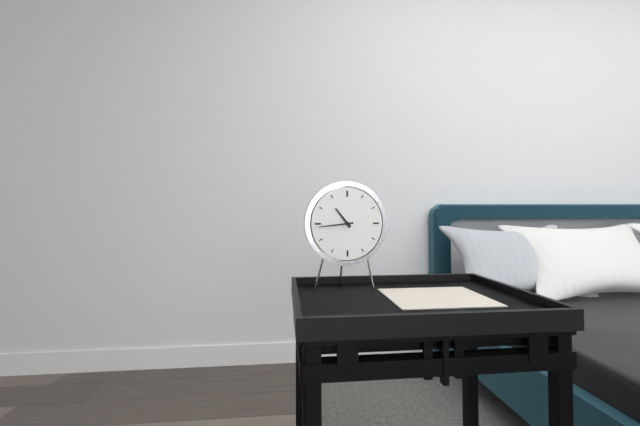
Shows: h=10 m=44
